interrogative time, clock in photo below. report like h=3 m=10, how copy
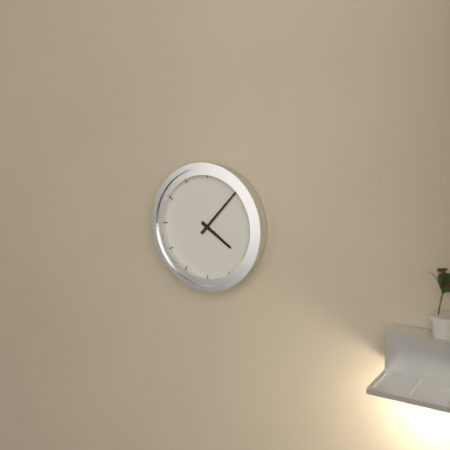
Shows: h=4 m=7
